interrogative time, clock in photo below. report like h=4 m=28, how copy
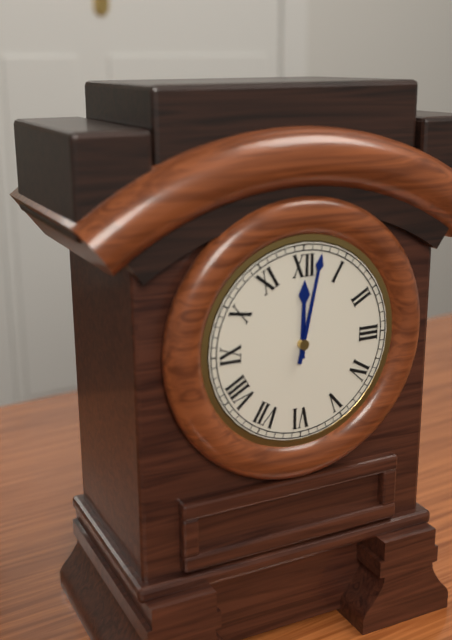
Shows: h=12 m=2
